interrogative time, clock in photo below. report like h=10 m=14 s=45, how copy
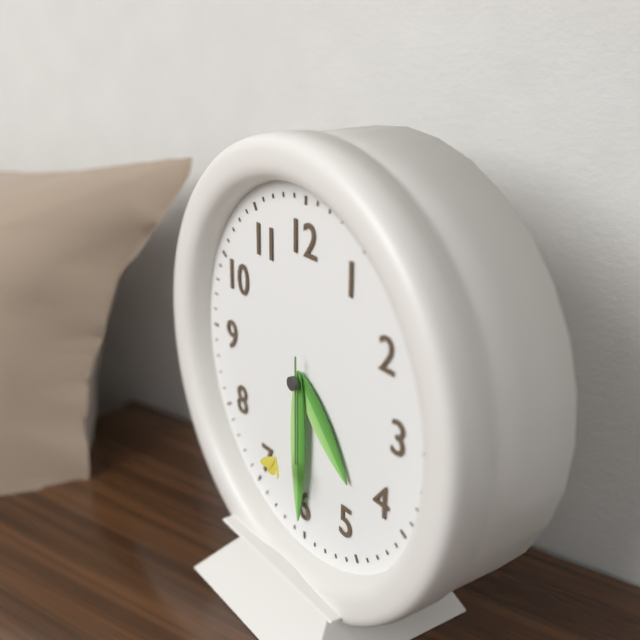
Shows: h=4 m=30 s=30
